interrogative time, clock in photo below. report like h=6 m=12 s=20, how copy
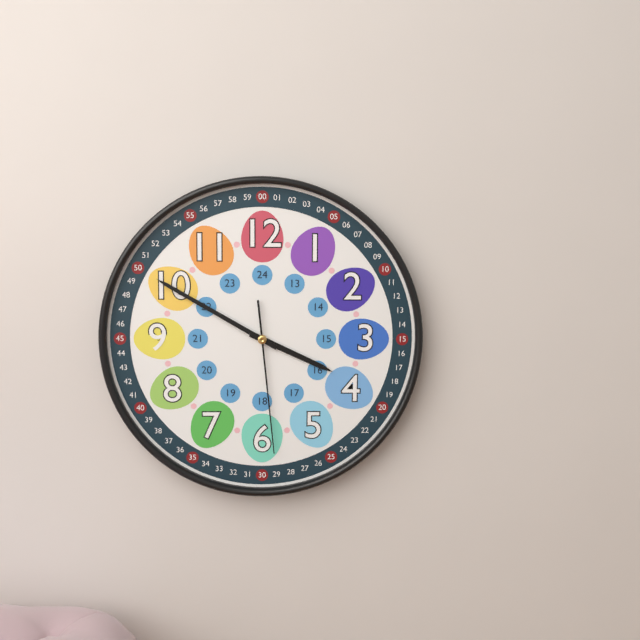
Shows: h=3 m=50 s=29
